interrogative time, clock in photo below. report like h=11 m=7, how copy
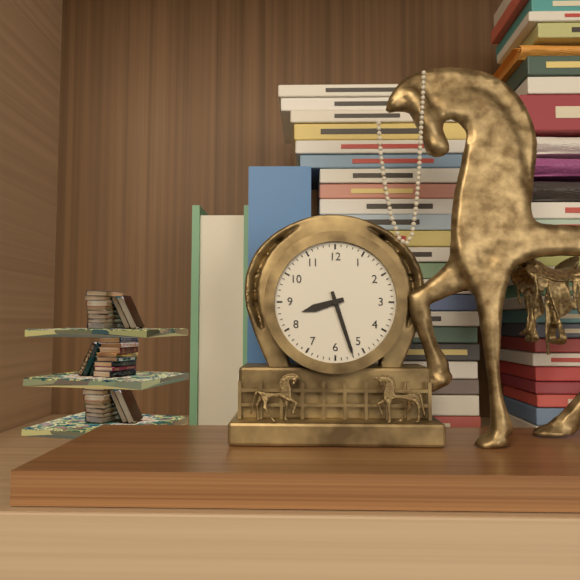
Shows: h=8 m=27
